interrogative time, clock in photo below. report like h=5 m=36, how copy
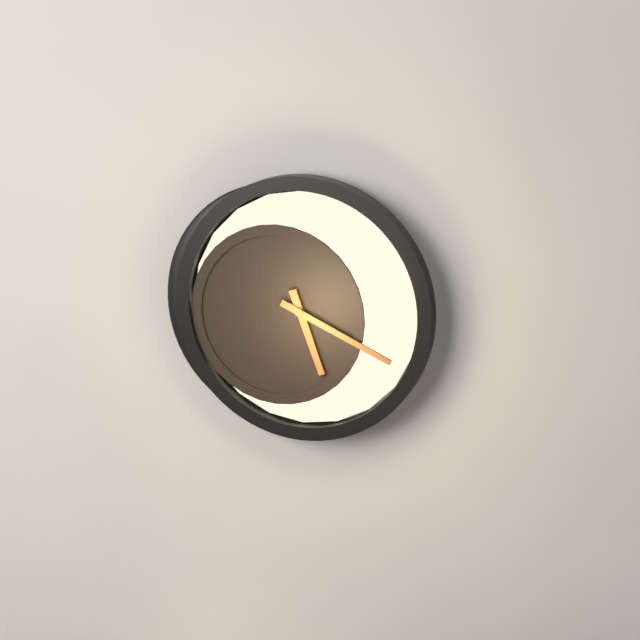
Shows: h=5 m=19
